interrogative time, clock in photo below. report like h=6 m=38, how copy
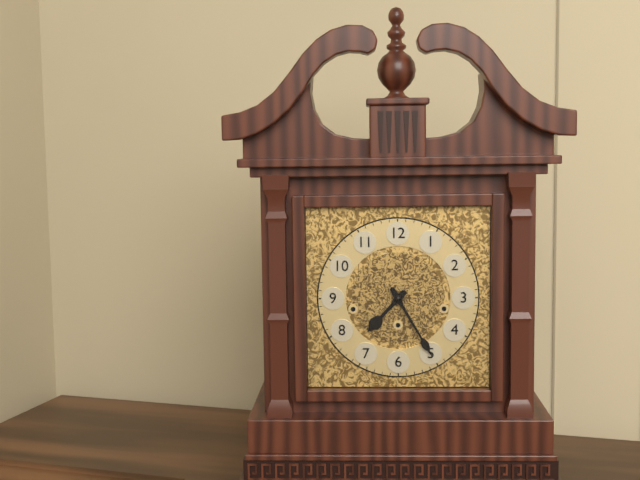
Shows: h=7 m=25
